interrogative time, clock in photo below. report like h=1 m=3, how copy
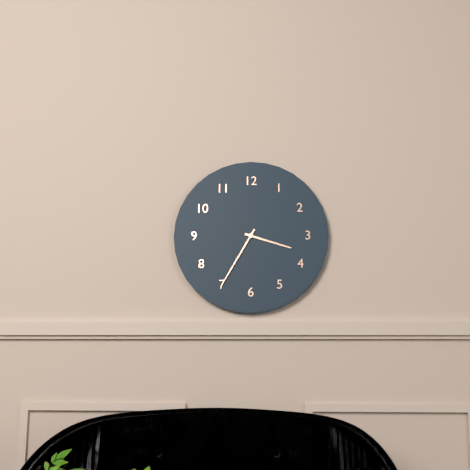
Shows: h=3 m=35
